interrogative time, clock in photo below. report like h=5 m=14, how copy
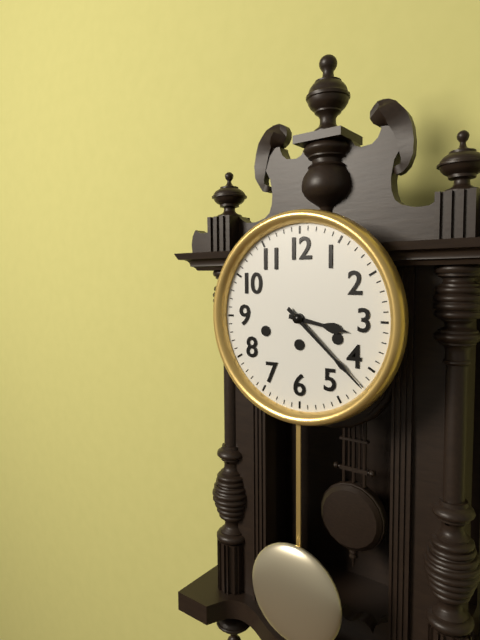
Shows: h=3 m=22
